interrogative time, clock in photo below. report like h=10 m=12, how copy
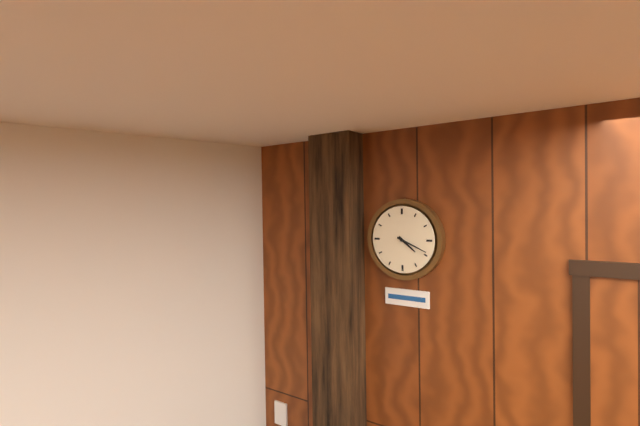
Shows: h=4 m=19
